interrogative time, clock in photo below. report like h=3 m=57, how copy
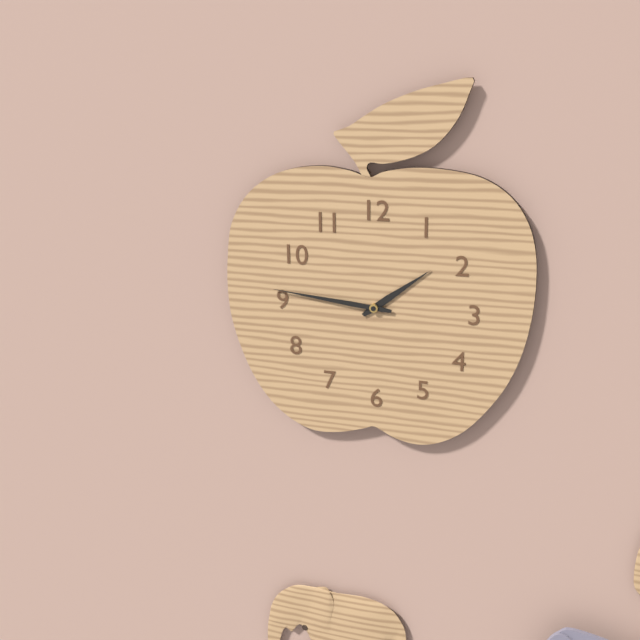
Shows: h=1 m=46
